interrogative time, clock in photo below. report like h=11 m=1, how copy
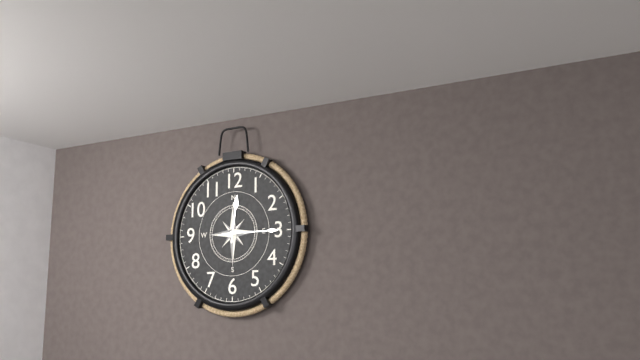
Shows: h=12 m=15
